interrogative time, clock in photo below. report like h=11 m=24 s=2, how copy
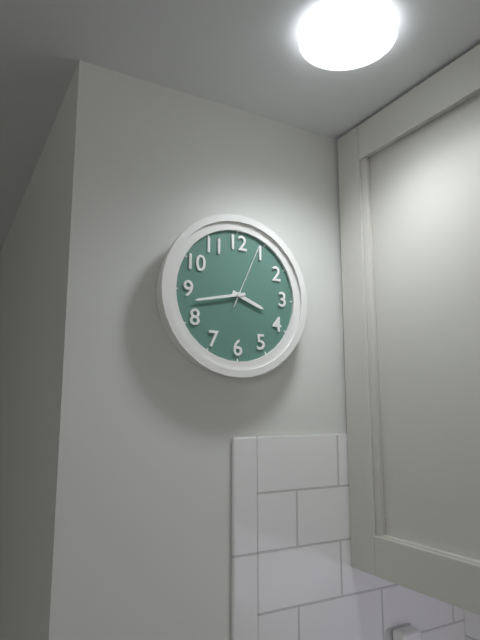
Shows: h=3 m=43 s=4
